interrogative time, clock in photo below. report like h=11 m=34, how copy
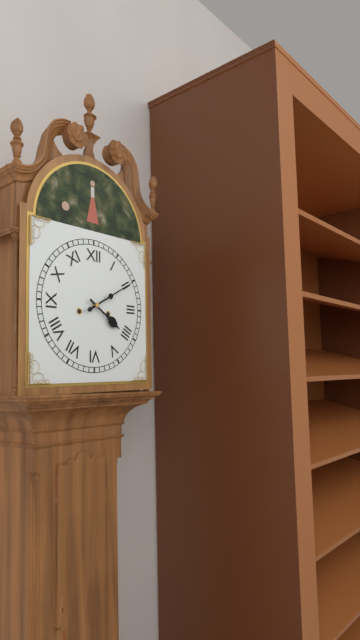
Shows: h=4 m=10
